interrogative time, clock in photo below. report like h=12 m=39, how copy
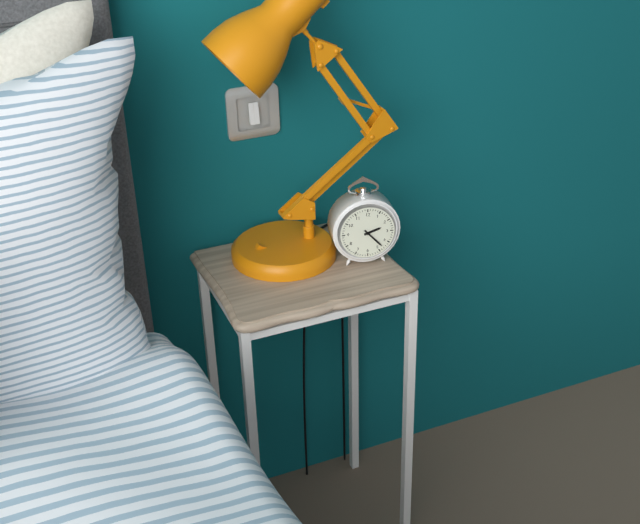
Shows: h=2 m=23
